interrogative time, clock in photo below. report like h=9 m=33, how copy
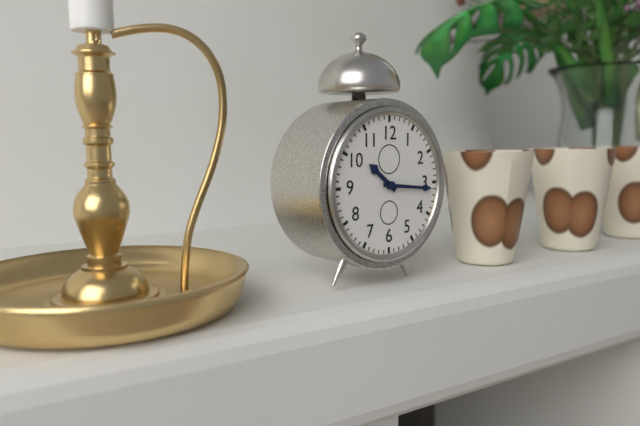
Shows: h=10 m=16
